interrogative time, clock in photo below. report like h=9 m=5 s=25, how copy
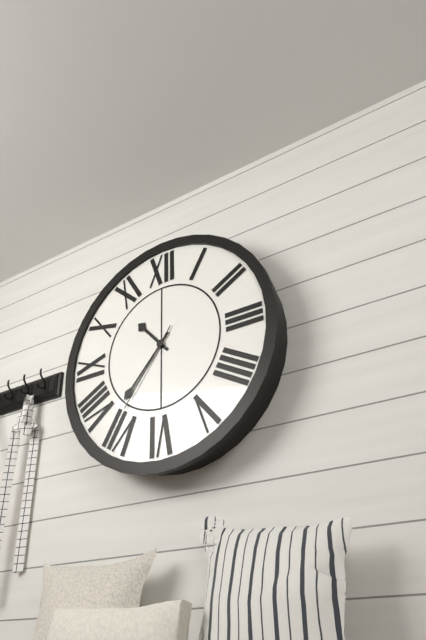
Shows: h=10 m=37 s=36
